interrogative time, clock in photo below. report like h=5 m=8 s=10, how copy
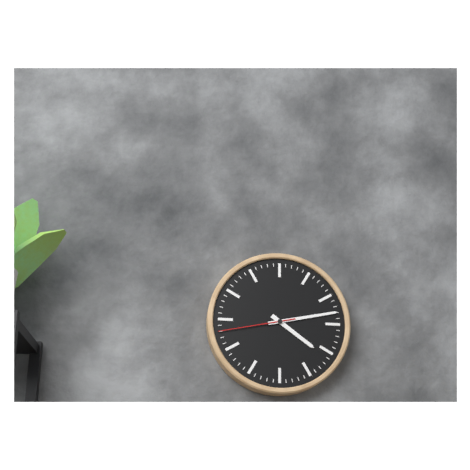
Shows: h=4 m=13 s=43
